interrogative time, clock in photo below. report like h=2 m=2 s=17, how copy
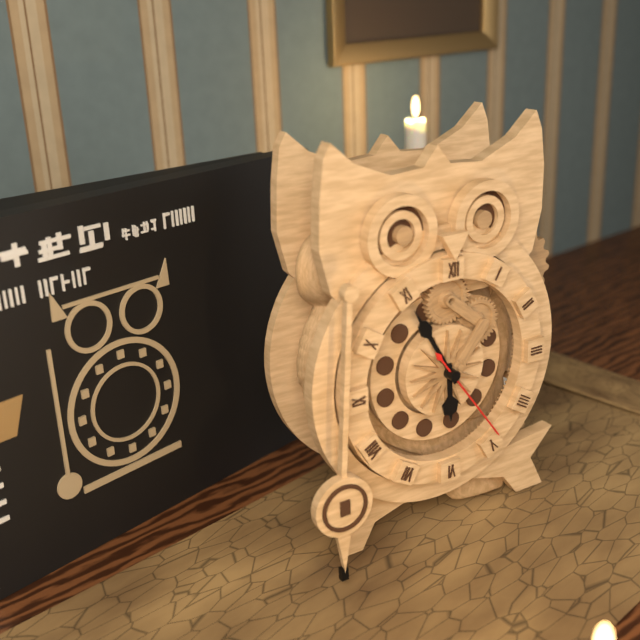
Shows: h=5 m=55 s=24
